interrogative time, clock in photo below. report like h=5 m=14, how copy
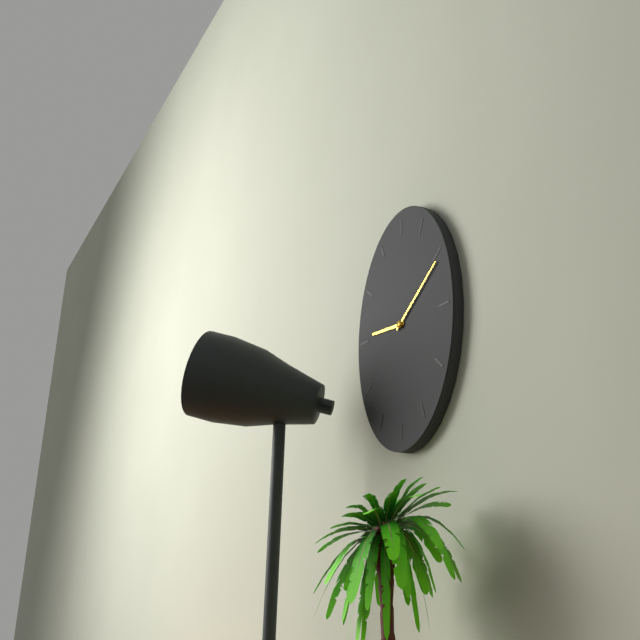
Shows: h=9 m=9
